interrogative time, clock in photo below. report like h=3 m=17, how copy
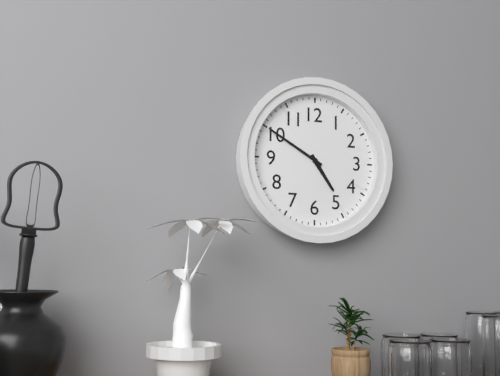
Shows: h=4 m=50
